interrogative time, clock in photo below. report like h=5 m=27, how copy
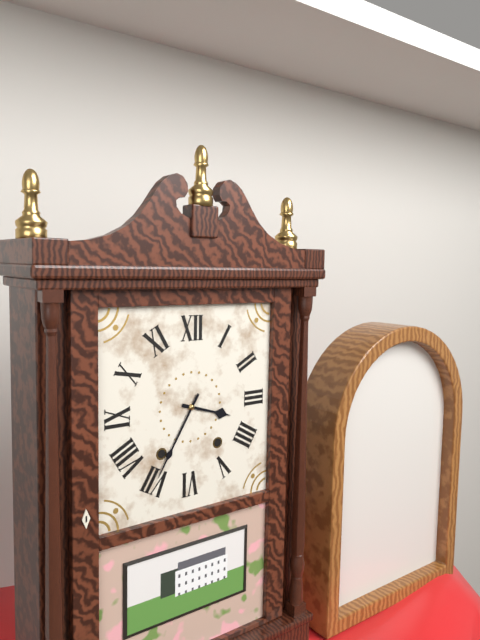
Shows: h=3 m=35
